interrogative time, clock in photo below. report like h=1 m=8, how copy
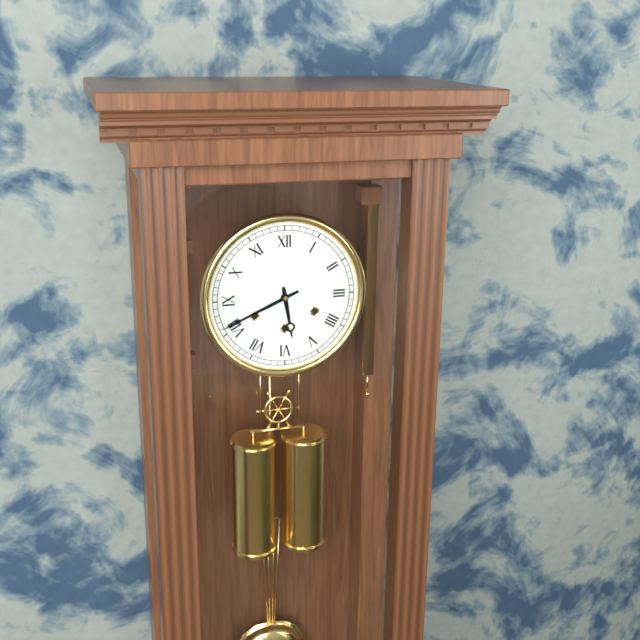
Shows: h=5 m=41
